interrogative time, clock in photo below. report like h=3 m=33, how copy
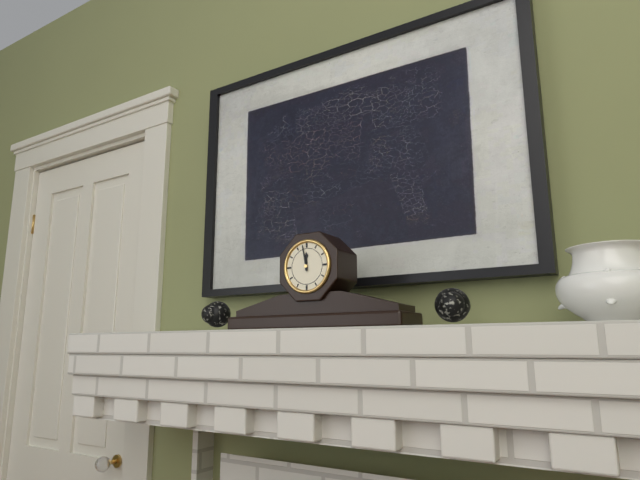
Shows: h=11 m=58
